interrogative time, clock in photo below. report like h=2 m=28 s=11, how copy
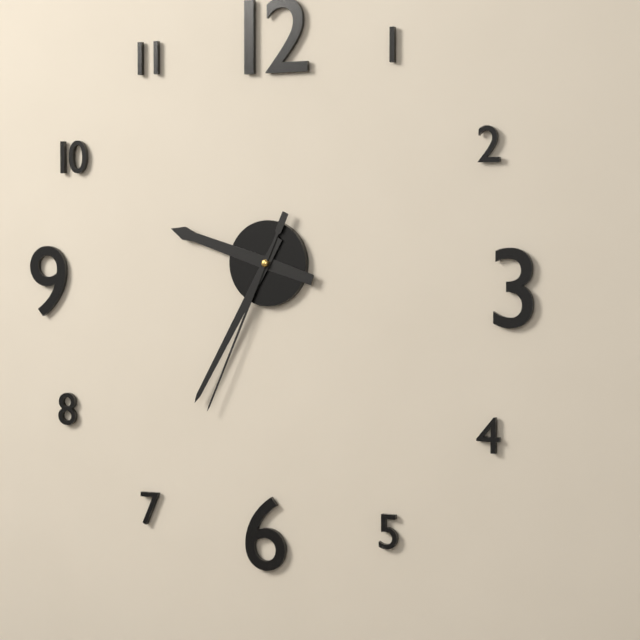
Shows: h=9 m=35 s=34
